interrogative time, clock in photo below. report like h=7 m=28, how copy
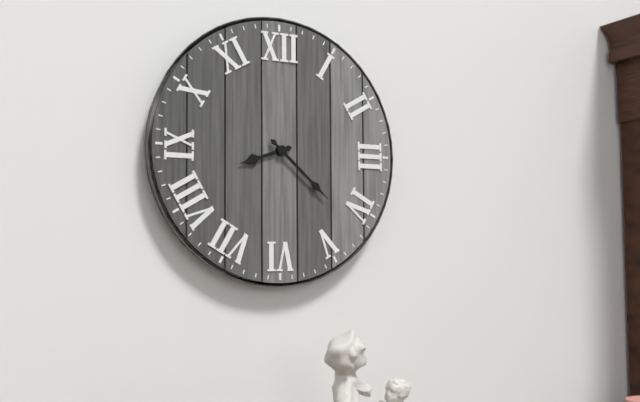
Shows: h=8 m=22
